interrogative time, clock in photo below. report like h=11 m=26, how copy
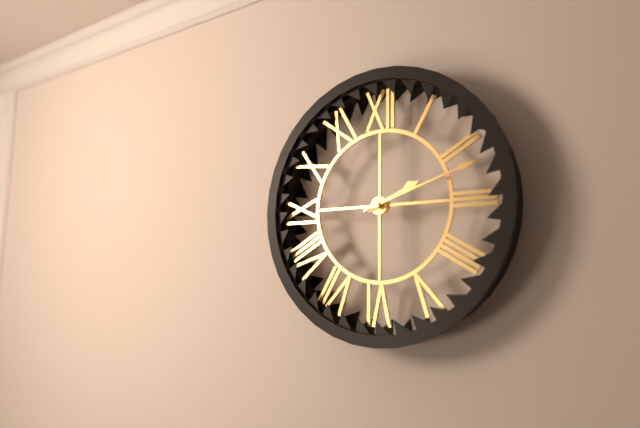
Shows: h=2 m=12
